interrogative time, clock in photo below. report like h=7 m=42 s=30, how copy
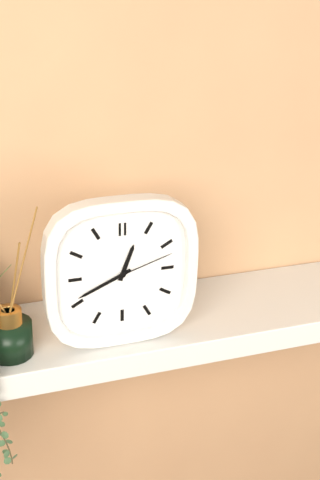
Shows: h=12 m=41 s=12
